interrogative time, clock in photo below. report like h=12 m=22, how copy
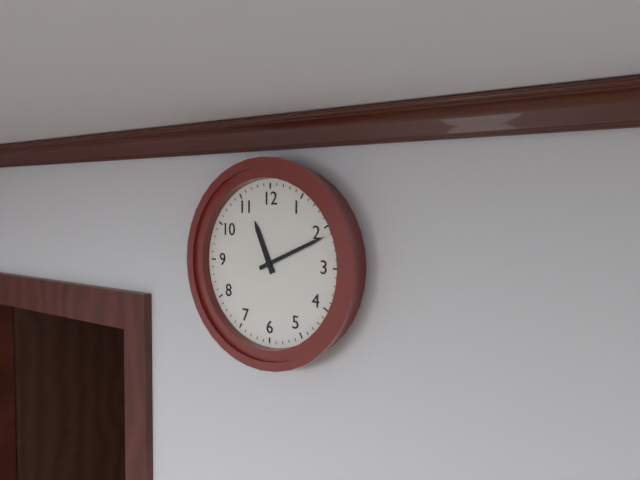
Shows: h=11 m=11
